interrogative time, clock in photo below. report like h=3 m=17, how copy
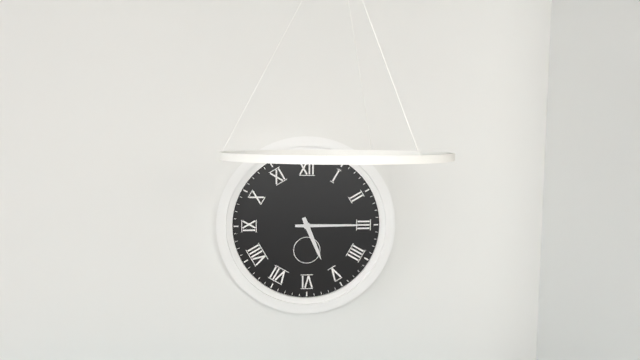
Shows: h=5 m=15
